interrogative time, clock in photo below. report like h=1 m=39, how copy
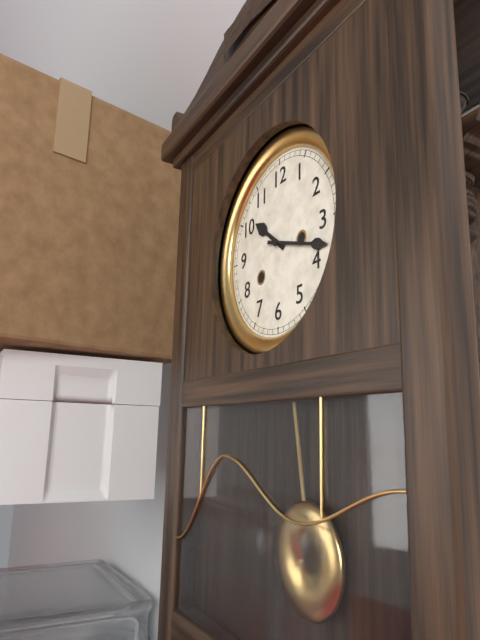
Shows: h=10 m=18
